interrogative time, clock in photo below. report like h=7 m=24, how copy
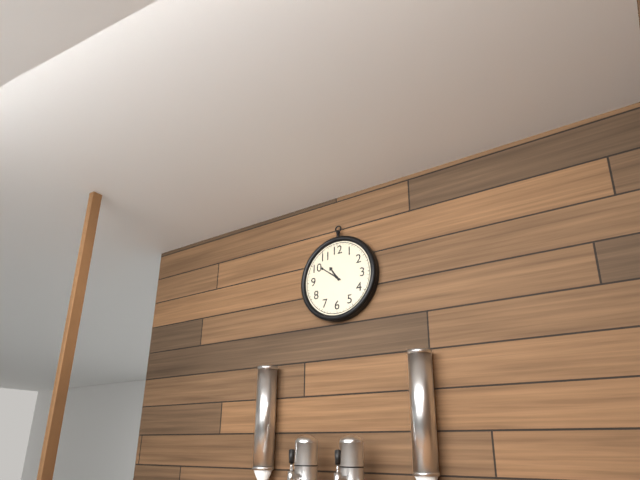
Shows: h=10 m=51
